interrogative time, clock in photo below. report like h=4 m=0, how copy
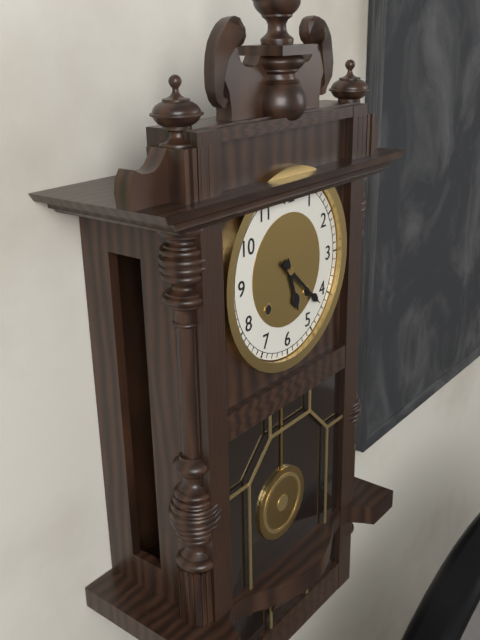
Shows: h=5 m=22
